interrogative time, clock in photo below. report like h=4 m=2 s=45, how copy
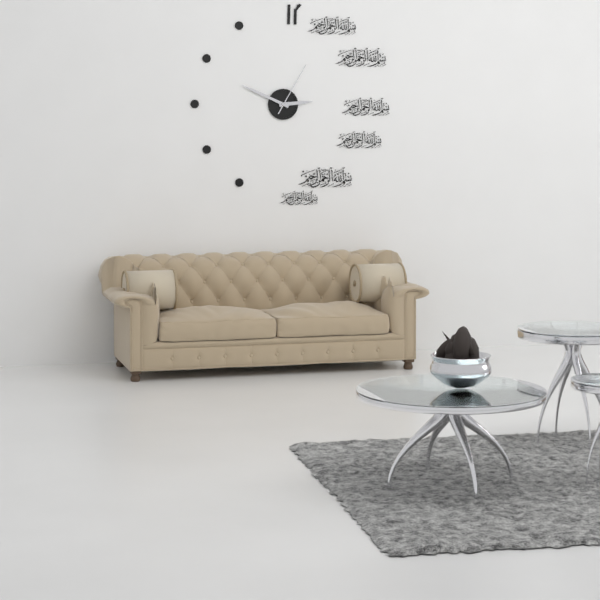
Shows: h=2 m=49 s=5
